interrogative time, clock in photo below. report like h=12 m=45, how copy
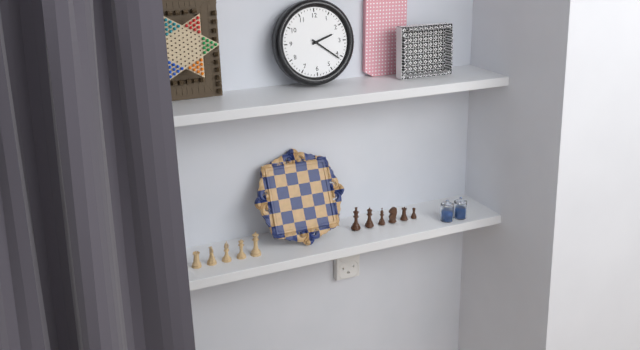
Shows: h=2 m=21
